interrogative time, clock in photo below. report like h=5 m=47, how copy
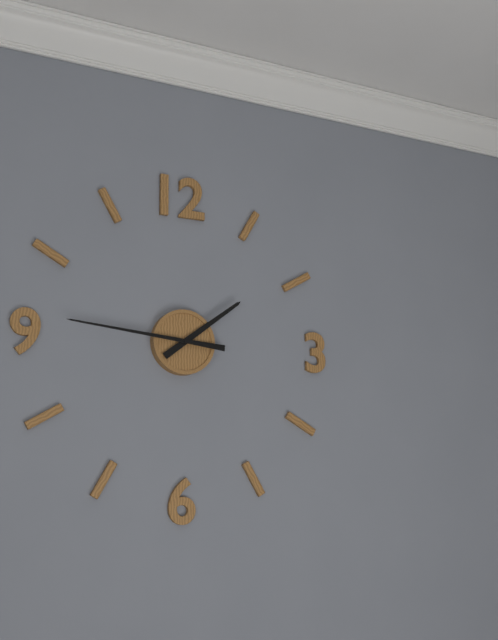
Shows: h=1 m=46
